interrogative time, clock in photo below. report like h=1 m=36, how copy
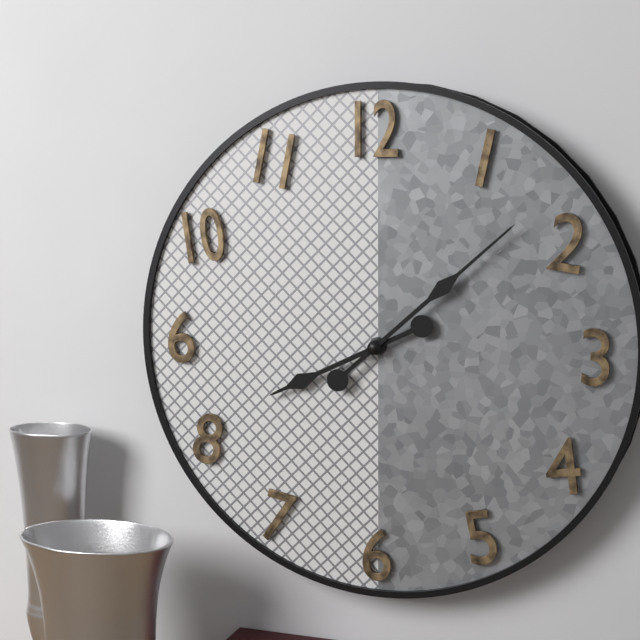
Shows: h=8 m=8
